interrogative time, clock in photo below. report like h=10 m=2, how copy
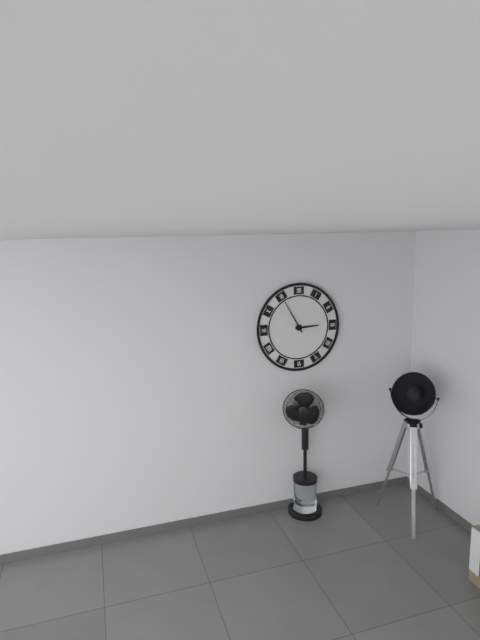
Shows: h=2 m=55
